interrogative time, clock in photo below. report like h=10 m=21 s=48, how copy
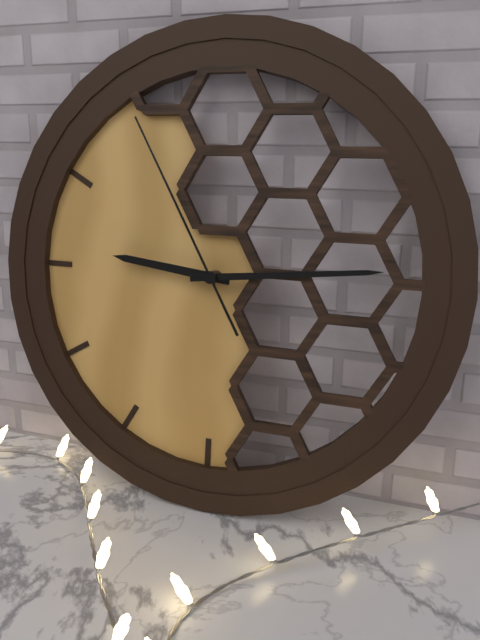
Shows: h=9 m=14 s=55
